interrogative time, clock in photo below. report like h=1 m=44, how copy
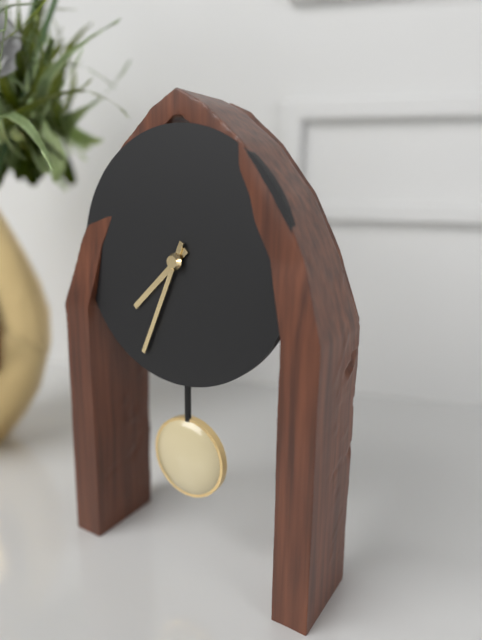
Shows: h=7 m=34
